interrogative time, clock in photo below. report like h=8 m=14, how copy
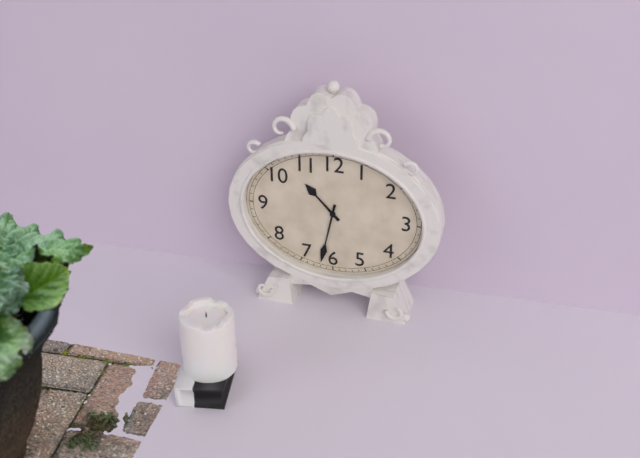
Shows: h=10 m=32
